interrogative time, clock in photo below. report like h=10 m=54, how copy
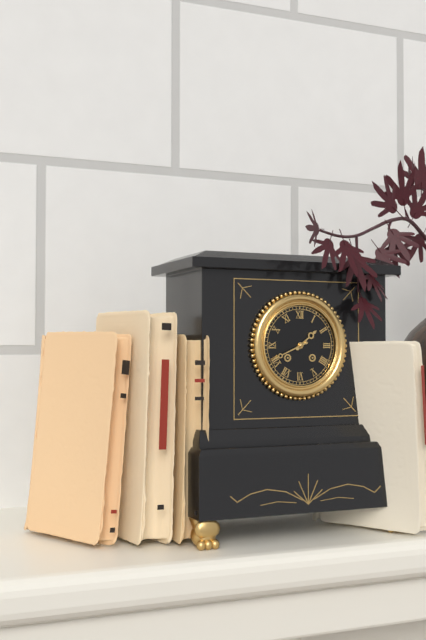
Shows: h=1 m=41
